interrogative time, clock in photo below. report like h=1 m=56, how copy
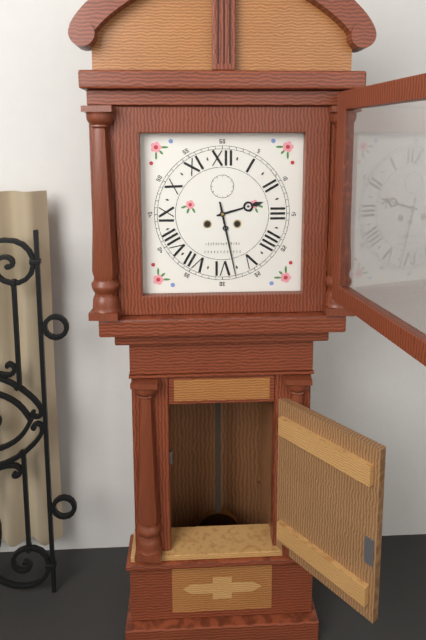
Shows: h=2 m=28
